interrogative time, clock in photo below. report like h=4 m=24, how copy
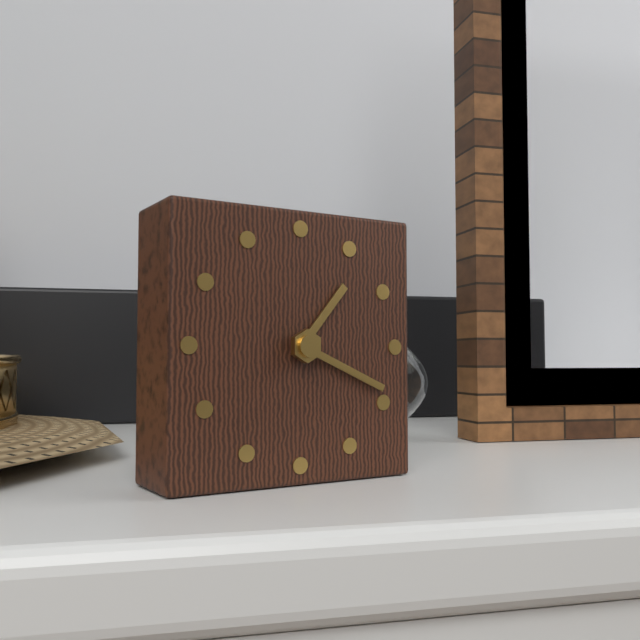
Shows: h=1 m=19
